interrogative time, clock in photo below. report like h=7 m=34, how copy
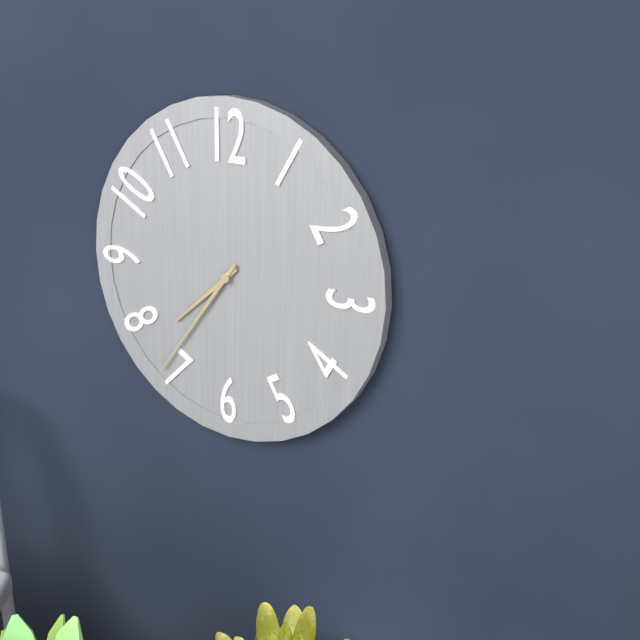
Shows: h=7 m=36
